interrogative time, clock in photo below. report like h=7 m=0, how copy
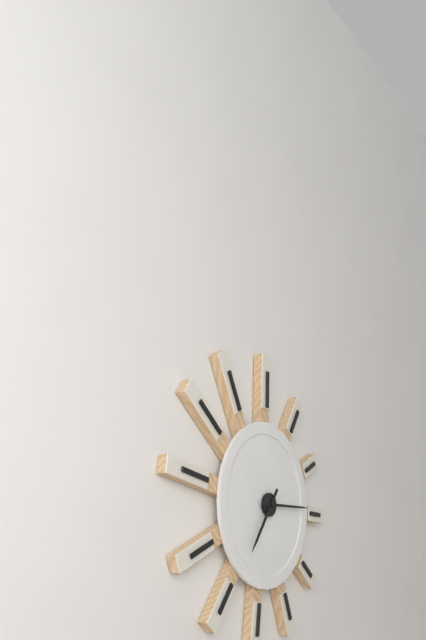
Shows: h=7 m=15
